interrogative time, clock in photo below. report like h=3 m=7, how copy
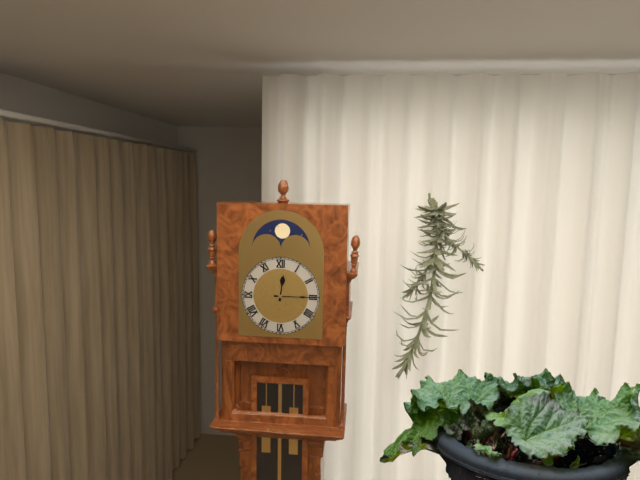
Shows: h=12 m=15
